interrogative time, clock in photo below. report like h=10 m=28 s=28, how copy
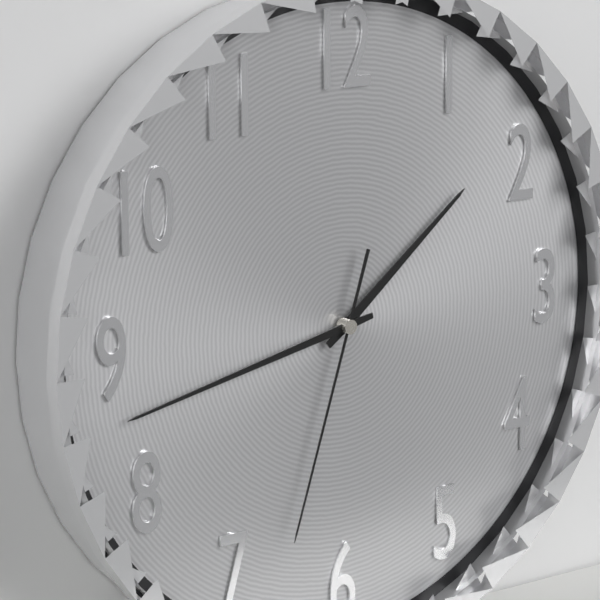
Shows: h=1 m=43 s=33
